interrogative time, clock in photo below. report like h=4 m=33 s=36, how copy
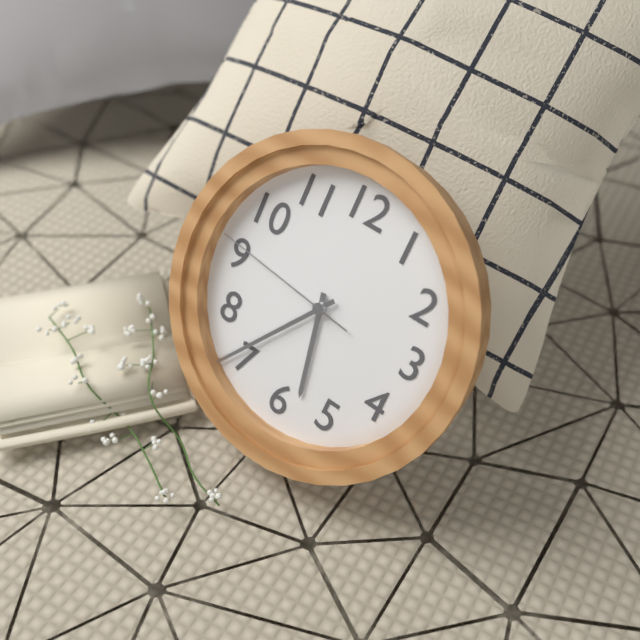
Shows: h=5 m=36 s=46
